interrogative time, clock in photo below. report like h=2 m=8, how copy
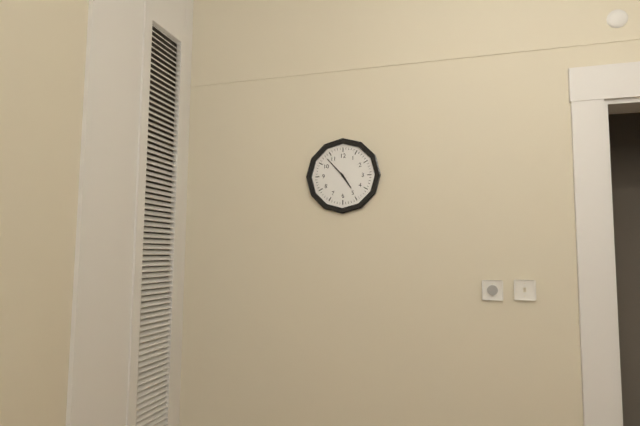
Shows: h=4 m=53
